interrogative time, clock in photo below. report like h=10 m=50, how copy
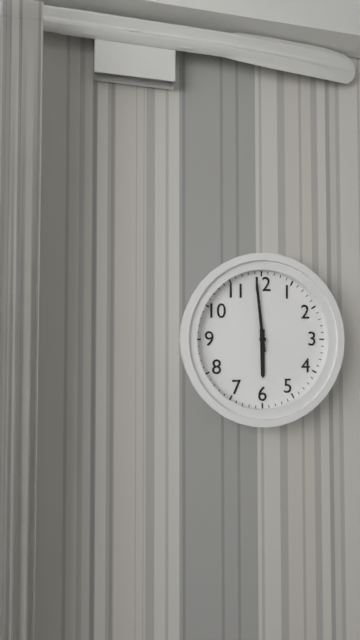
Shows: h=5 m=59
